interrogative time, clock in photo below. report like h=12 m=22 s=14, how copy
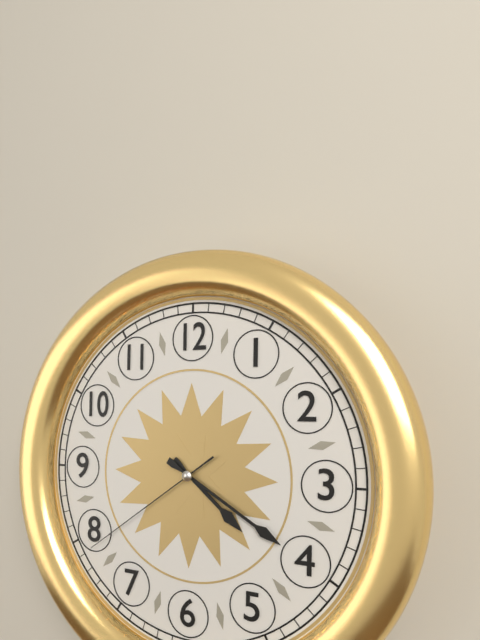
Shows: h=4 m=20 s=39
